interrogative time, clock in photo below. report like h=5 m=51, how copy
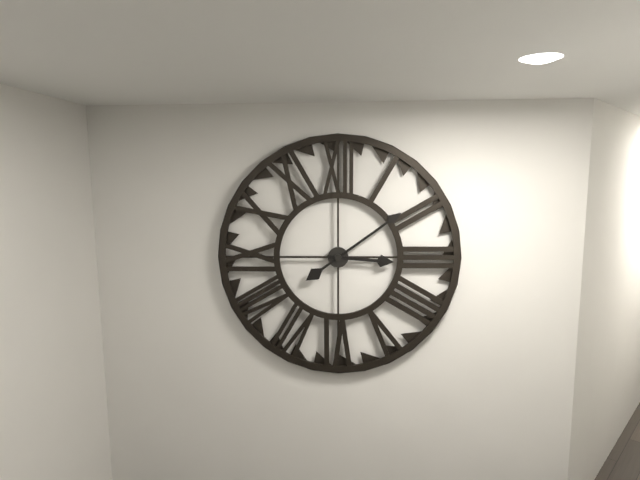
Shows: h=3 m=9
